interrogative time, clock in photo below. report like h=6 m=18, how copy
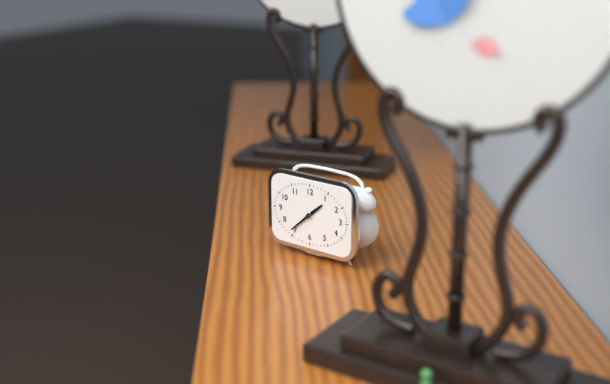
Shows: h=1 m=38
